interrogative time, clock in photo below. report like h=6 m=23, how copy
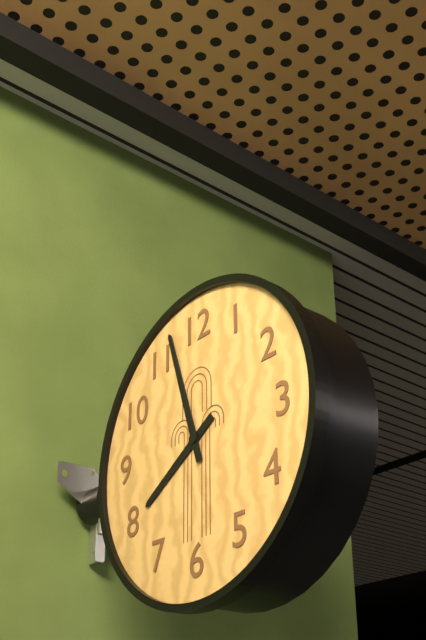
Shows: h=7 m=57
